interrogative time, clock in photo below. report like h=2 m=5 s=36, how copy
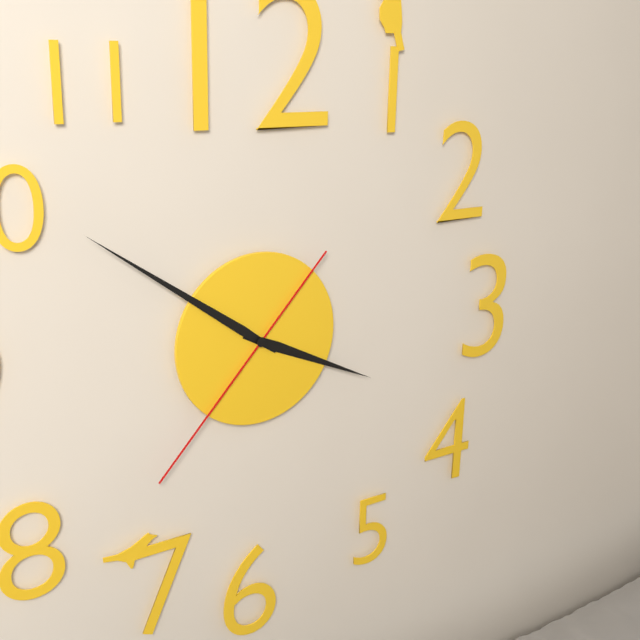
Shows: h=3 m=51 s=37
